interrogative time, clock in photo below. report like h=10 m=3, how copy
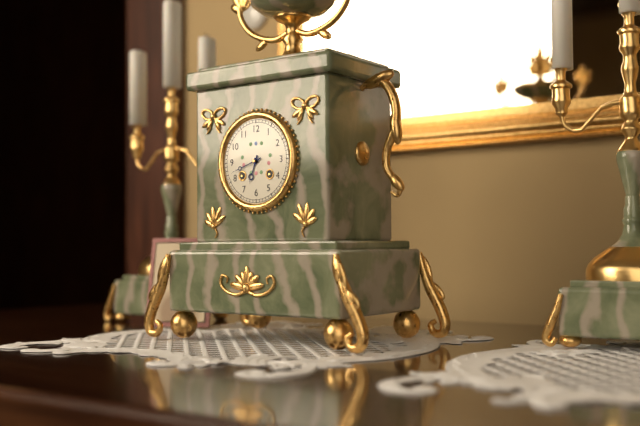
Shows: h=6 m=42
